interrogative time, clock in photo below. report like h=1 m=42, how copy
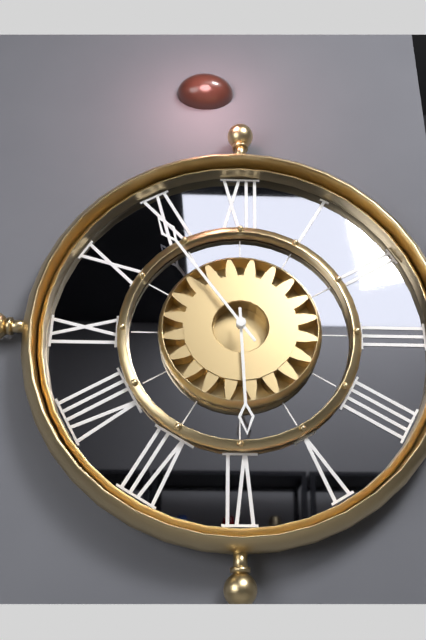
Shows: h=5 m=54
